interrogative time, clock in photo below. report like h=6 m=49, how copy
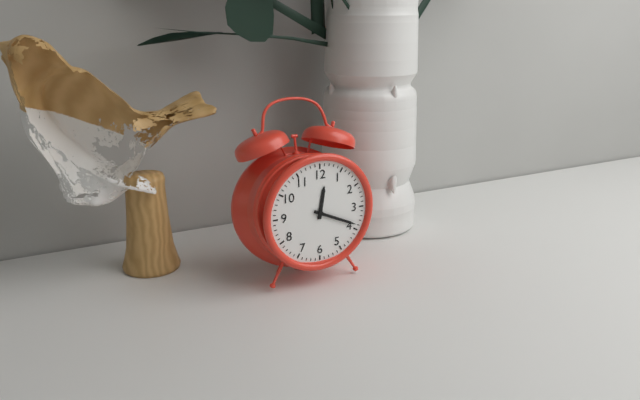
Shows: h=12 m=19
